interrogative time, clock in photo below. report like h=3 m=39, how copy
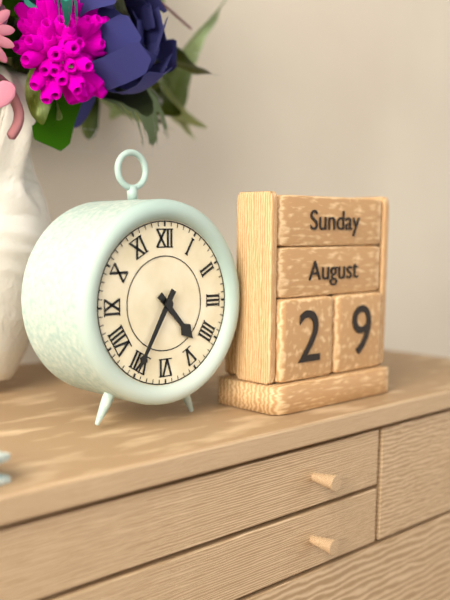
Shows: h=4 m=35
